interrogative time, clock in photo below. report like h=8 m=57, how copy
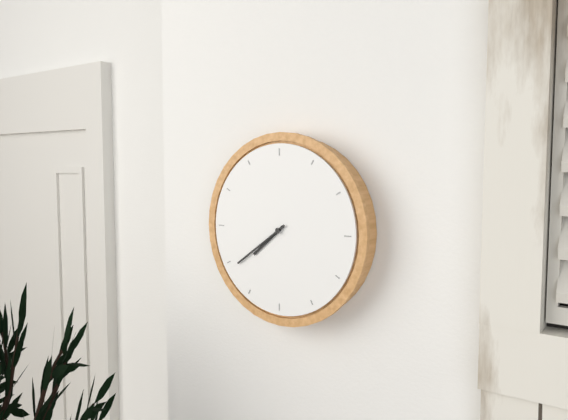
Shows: h=7 m=39
